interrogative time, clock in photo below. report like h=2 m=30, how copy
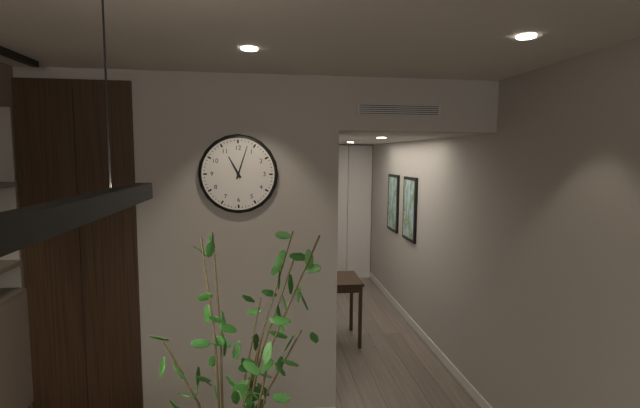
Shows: h=11 m=3
